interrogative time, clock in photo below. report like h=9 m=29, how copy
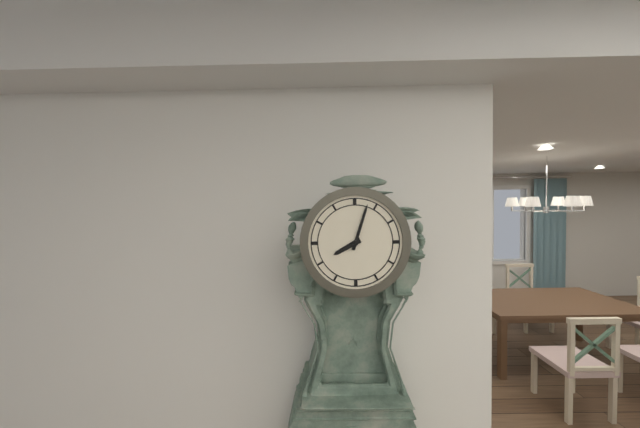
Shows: h=8 m=3
